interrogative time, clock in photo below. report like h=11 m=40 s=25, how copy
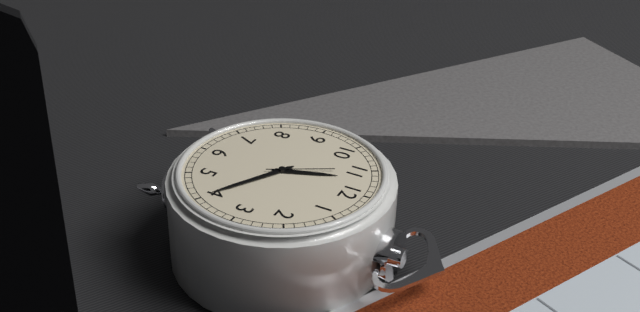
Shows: h=11 m=20 s=55
